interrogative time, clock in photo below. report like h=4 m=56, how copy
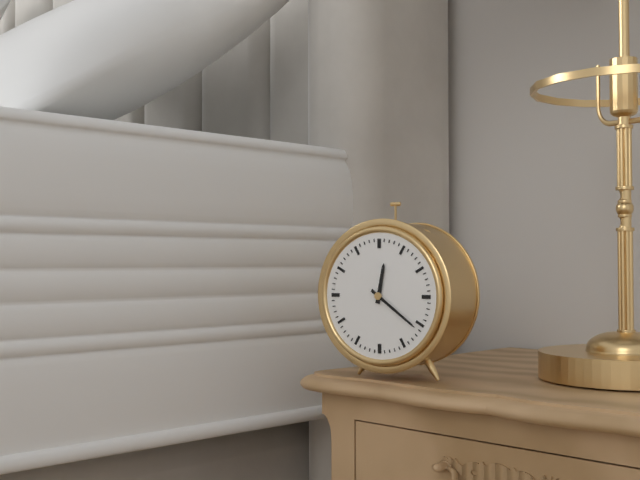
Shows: h=12 m=21
